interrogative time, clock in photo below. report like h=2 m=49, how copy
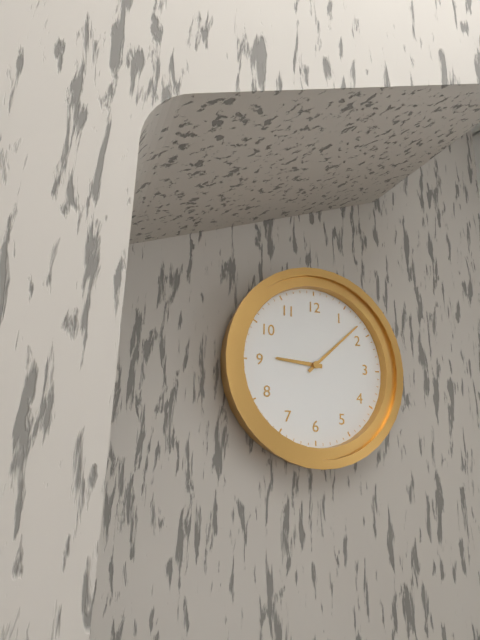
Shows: h=9 m=8
